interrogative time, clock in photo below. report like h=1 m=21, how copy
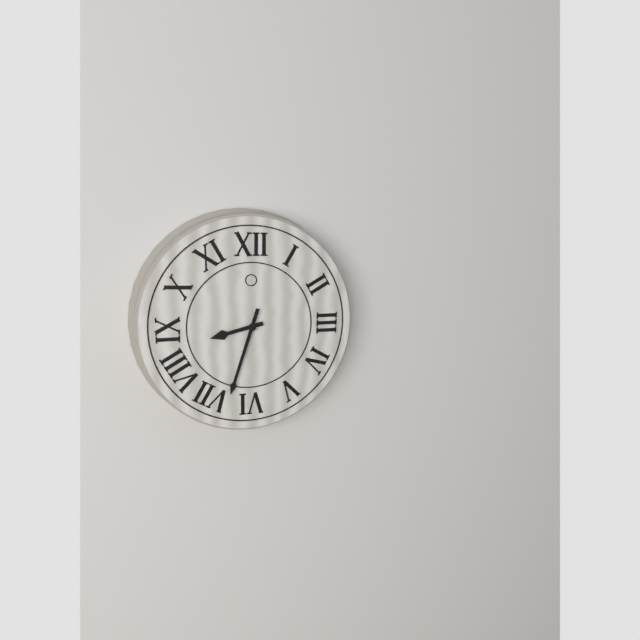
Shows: h=8 m=33
